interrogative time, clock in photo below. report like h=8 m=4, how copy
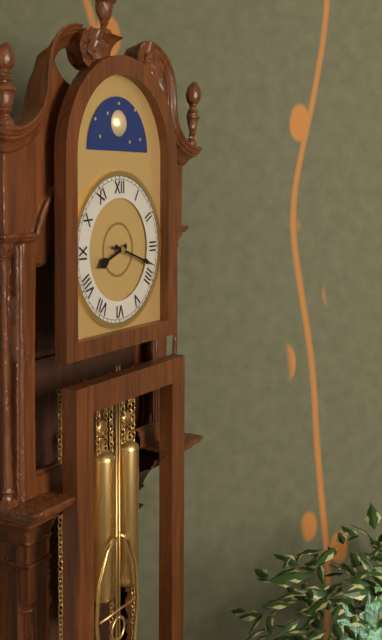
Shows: h=8 m=18
